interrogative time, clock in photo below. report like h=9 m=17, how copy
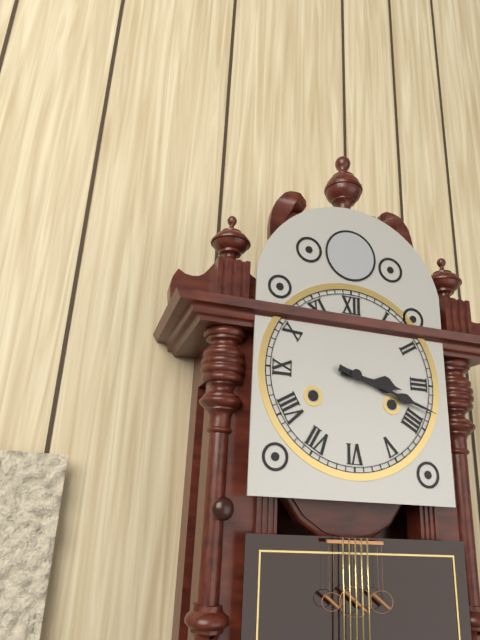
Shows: h=3 m=18
